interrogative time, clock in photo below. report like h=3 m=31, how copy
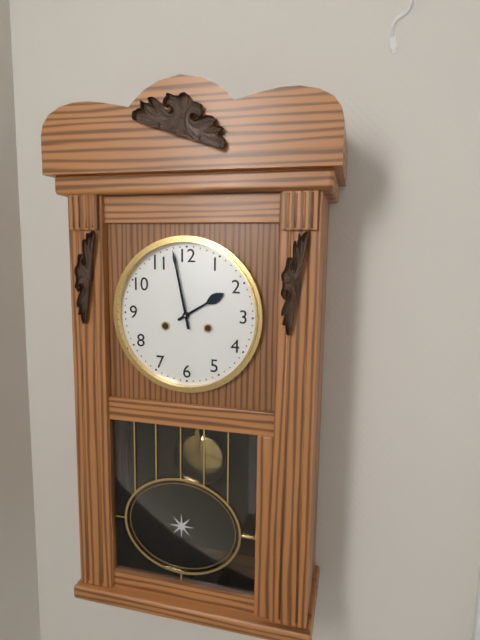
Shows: h=1 m=58
